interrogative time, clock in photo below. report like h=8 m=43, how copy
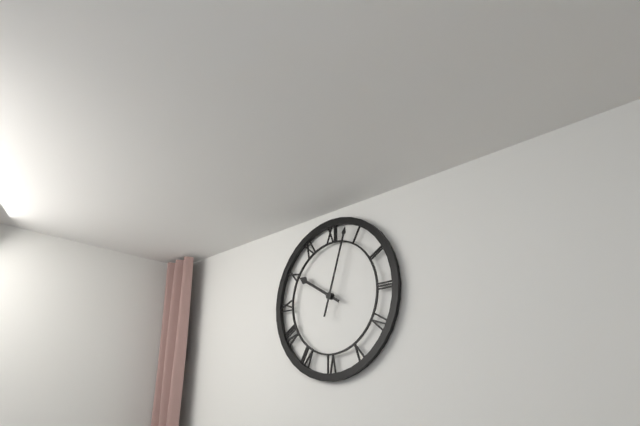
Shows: h=10 m=3
